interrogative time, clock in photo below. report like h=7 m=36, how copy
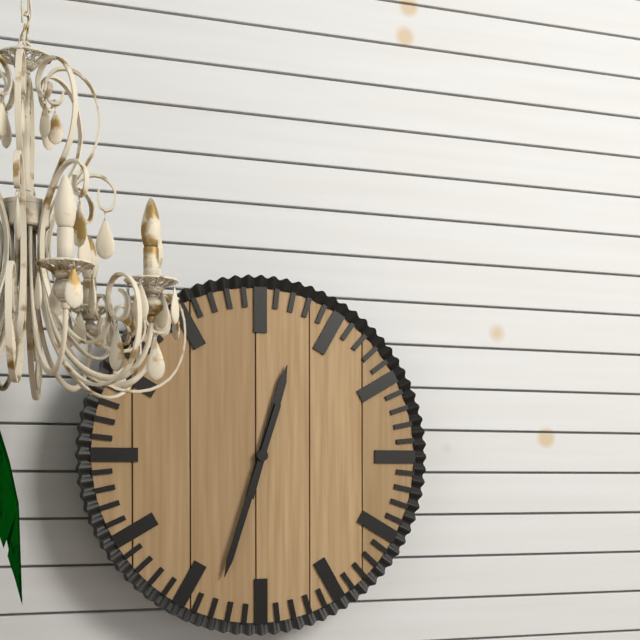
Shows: h=12 m=33
